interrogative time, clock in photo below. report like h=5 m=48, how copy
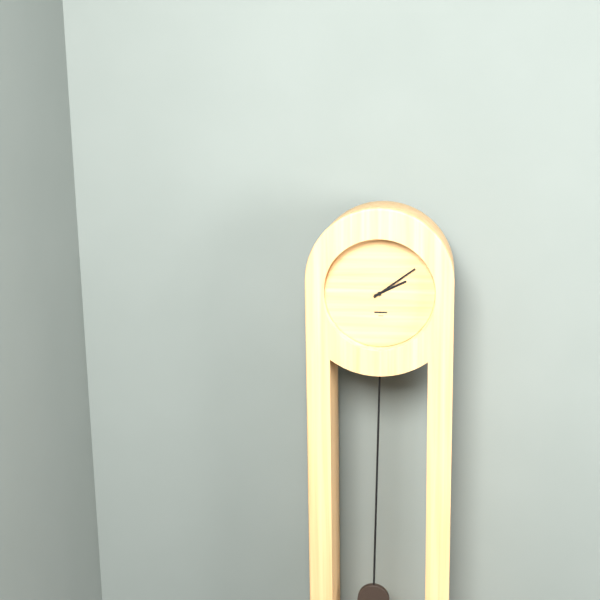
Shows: h=2 m=9
